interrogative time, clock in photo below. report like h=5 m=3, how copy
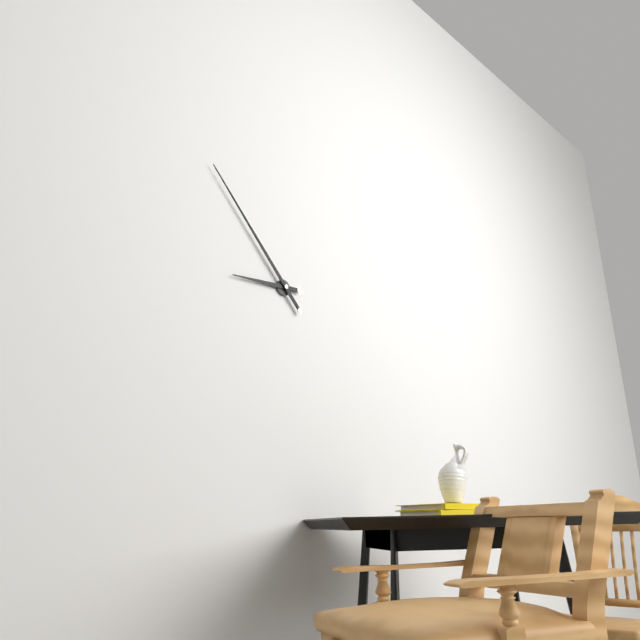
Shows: h=8 m=53
